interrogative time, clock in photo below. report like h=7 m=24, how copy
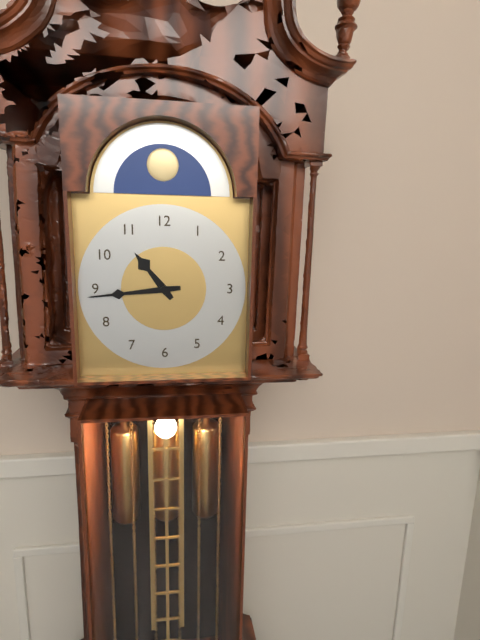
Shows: h=10 m=44
